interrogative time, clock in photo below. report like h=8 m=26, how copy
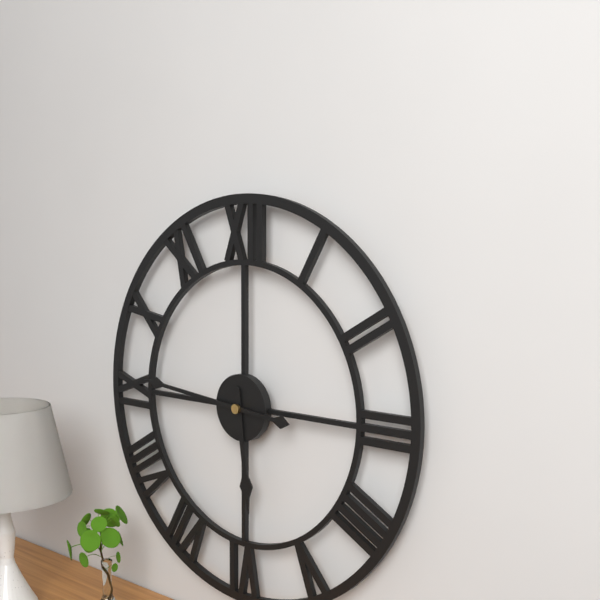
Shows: h=5 m=46
